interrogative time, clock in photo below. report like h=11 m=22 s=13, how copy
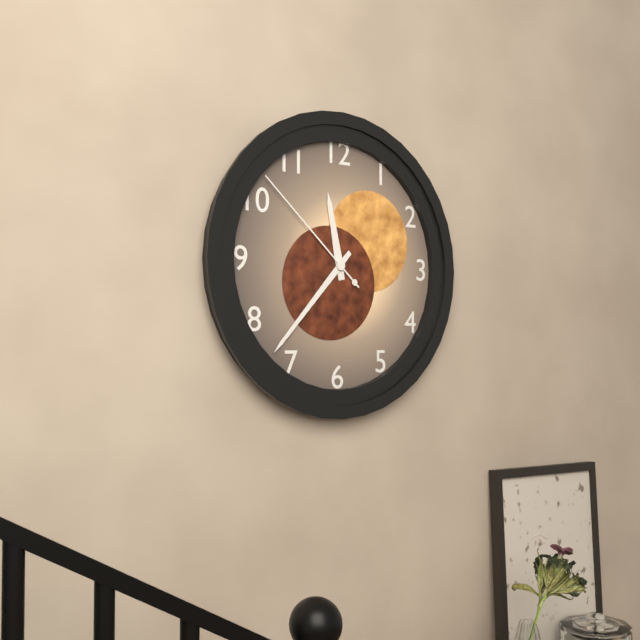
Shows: h=11 m=37 s=52
